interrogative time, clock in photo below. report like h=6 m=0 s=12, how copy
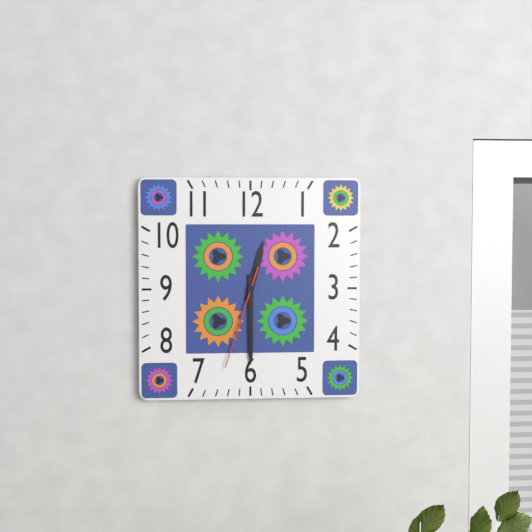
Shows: h=12 m=30 s=33
